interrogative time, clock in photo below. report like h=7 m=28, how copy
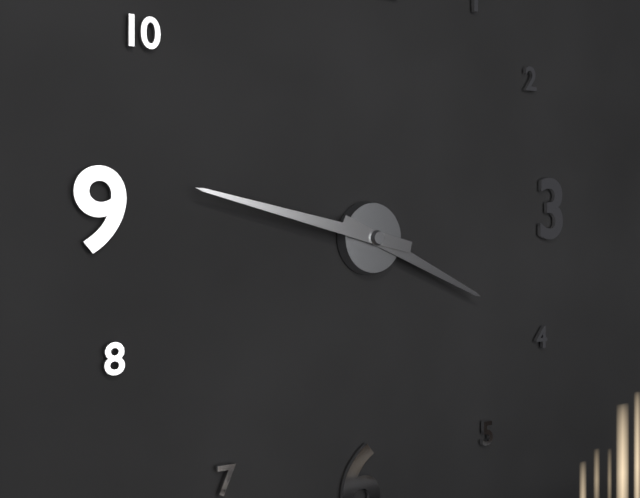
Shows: h=3 m=47
